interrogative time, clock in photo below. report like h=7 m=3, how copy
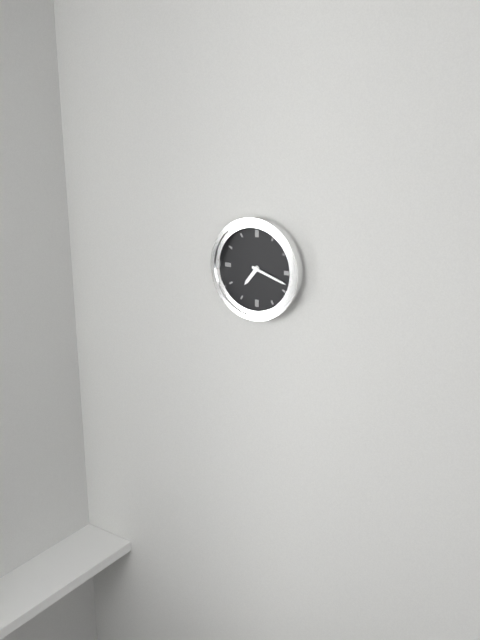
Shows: h=7 m=18
